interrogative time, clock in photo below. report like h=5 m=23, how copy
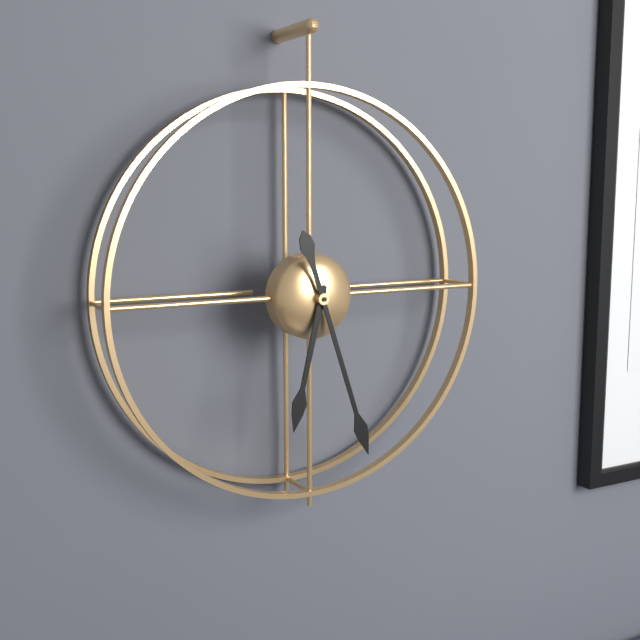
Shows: h=6 m=27
